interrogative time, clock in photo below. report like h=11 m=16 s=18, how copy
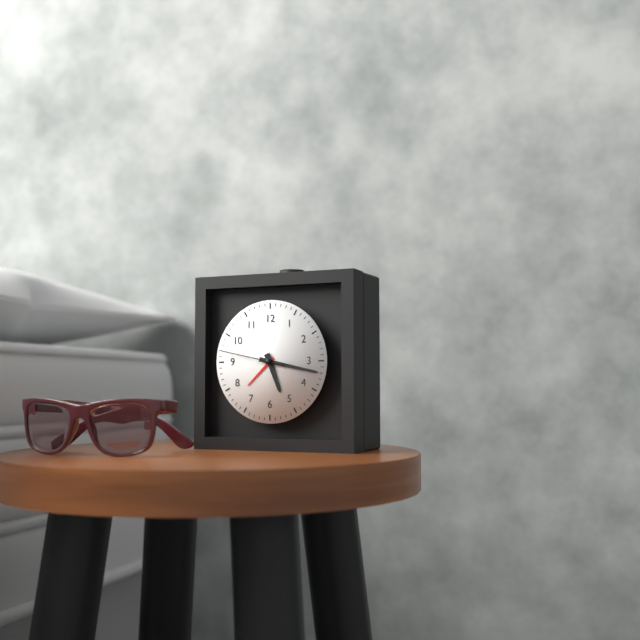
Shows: h=5 m=17 s=47
